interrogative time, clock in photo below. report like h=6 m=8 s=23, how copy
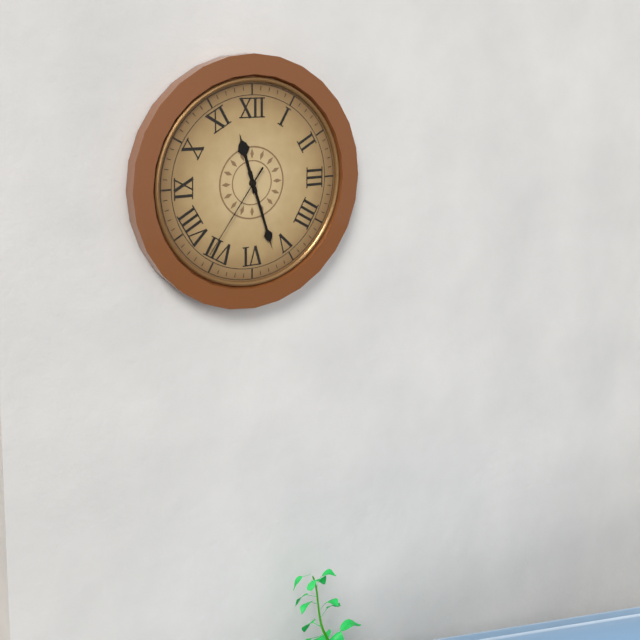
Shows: h=11 m=27 s=36
